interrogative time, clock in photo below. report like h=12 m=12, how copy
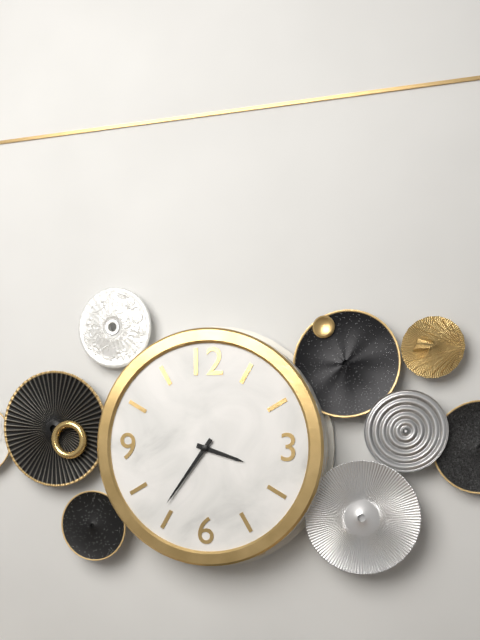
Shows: h=3 m=36
